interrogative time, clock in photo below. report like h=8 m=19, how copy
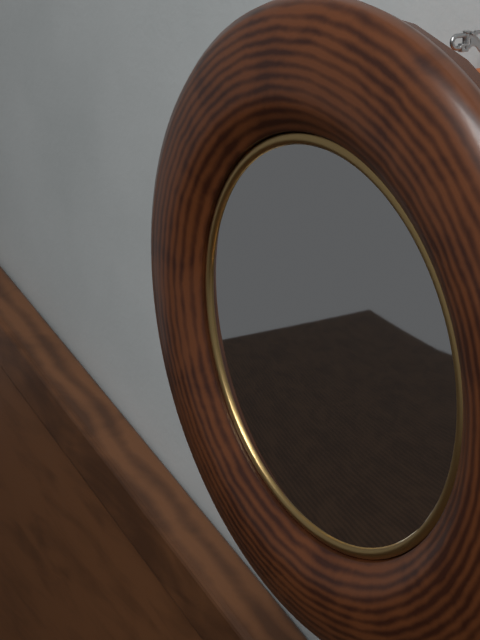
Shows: h=11 m=39
